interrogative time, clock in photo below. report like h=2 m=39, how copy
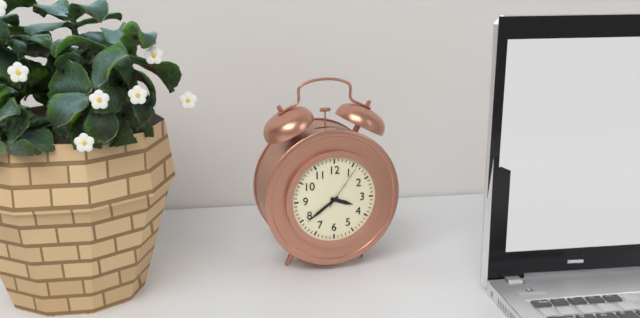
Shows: h=3 m=39
